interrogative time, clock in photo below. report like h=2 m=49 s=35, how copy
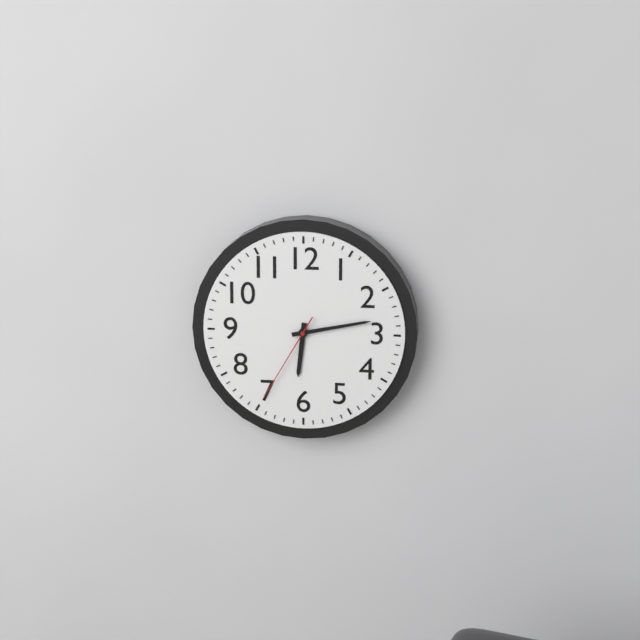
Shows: h=6 m=13 s=35
